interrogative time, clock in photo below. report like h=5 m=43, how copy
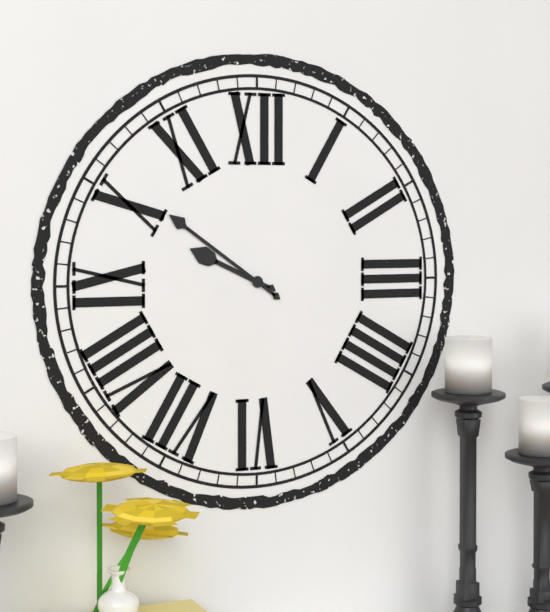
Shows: h=9 m=51
